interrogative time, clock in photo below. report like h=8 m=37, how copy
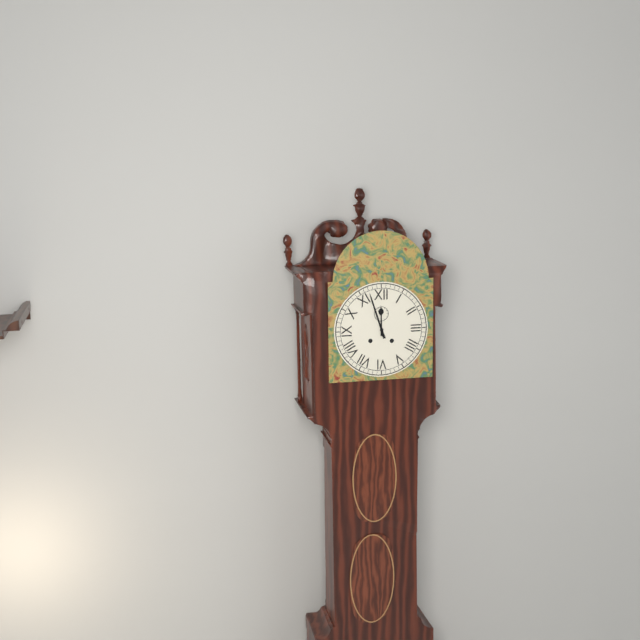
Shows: h=11 m=57
